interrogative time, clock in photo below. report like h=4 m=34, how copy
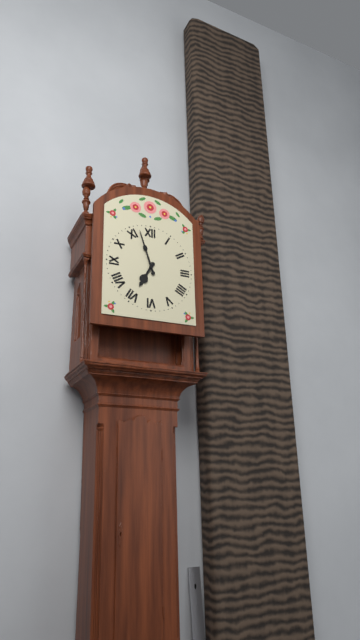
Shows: h=6 m=57
